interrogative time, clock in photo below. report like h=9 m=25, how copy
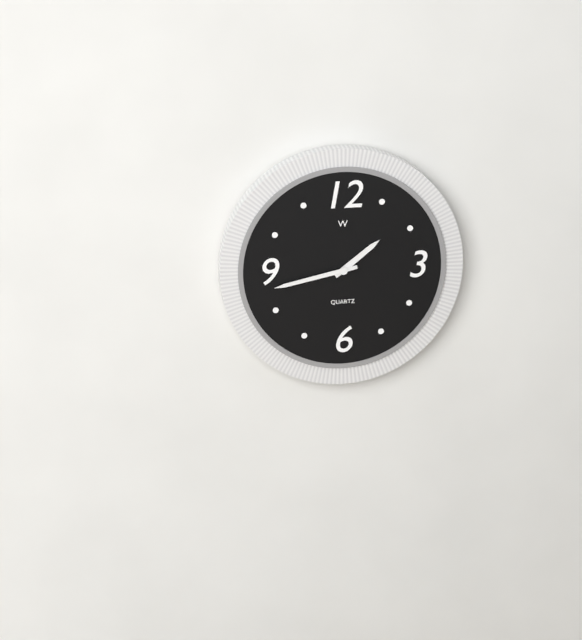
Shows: h=1 m=43
